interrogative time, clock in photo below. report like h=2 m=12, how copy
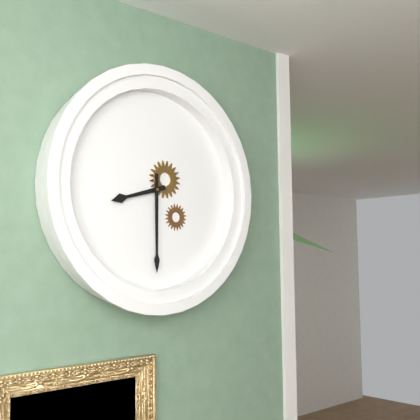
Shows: h=8 m=30
